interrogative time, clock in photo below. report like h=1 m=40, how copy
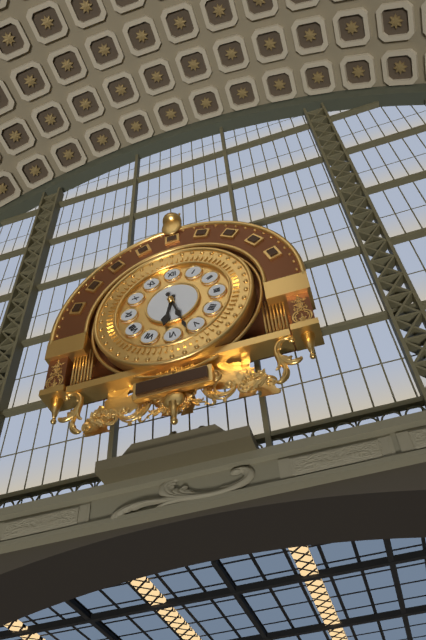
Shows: h=6 m=27
